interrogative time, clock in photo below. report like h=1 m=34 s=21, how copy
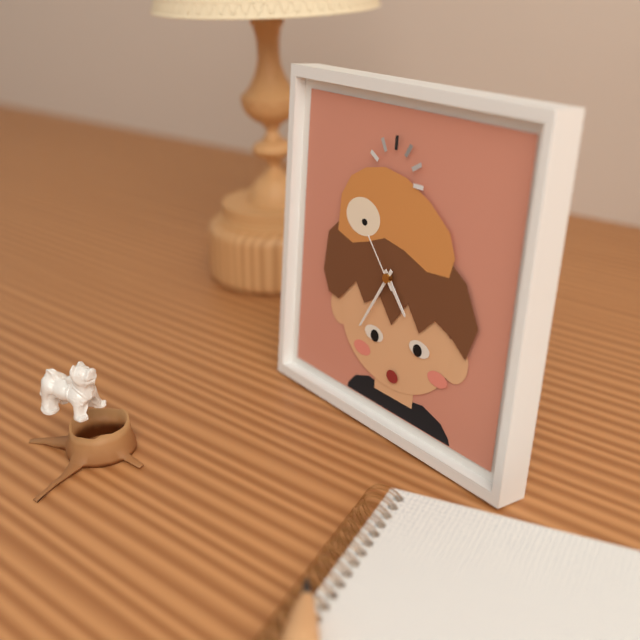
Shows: h=4 m=35 s=53
